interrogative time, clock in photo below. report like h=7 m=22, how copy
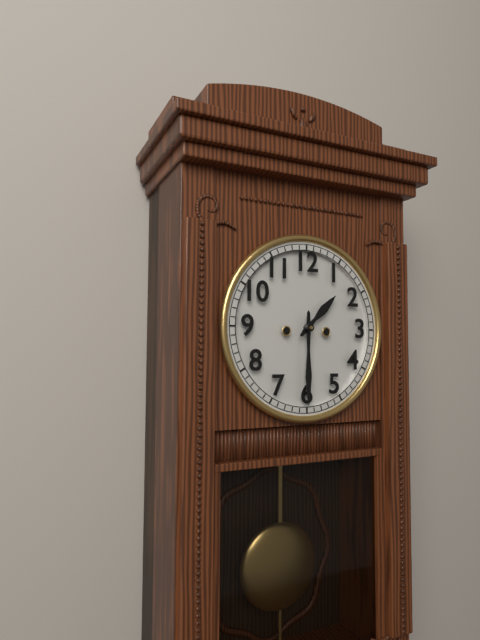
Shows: h=1 m=30
